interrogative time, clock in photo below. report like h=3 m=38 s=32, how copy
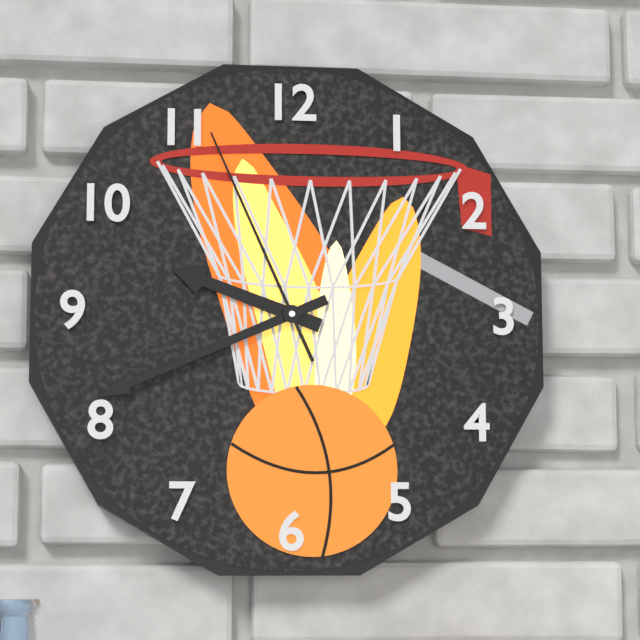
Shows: h=9 m=41 s=56
